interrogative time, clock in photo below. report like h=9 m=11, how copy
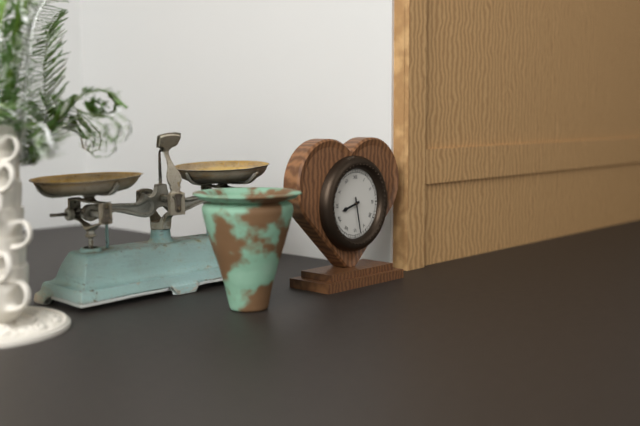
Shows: h=8 m=28
